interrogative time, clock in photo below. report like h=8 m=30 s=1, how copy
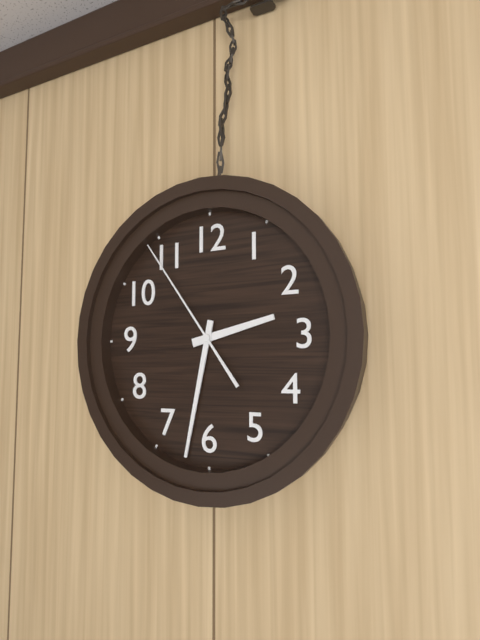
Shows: h=2 m=32 s=54
